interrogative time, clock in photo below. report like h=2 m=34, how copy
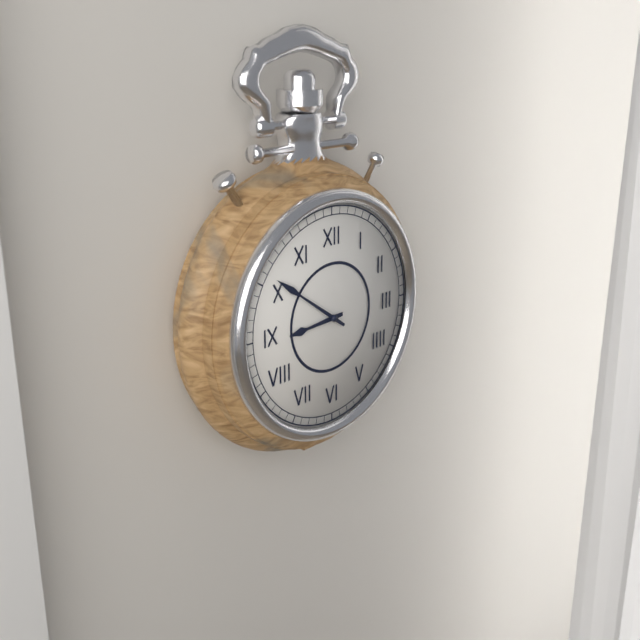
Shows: h=8 m=51
